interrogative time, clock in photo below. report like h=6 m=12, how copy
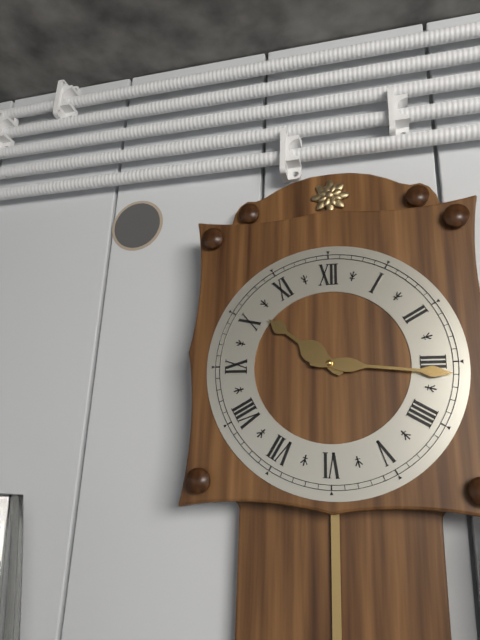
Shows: h=10 m=16
